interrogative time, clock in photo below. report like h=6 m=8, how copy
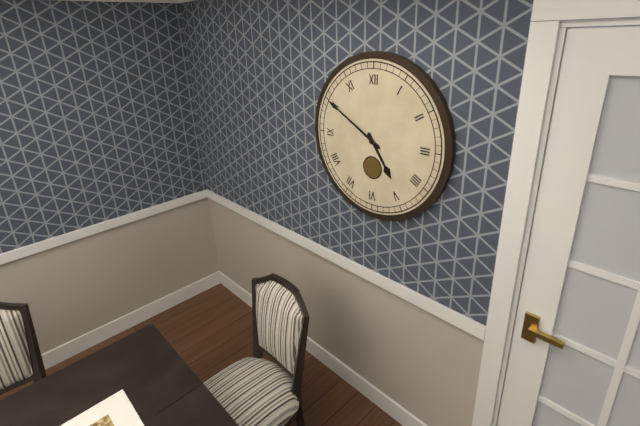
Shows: h=4 m=50
